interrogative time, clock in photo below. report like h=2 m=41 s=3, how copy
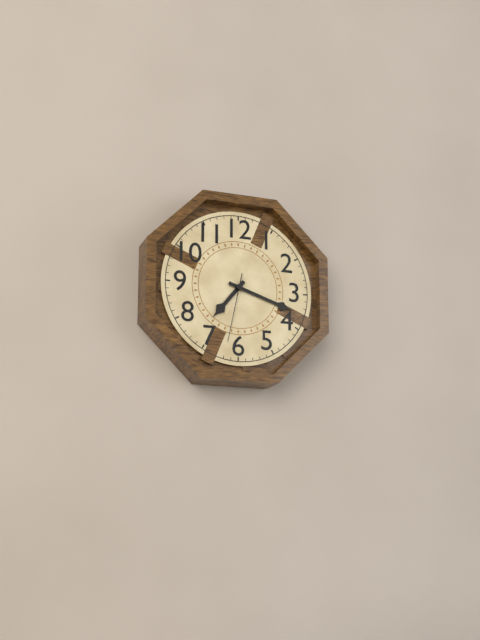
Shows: h=7 m=18 s=32
